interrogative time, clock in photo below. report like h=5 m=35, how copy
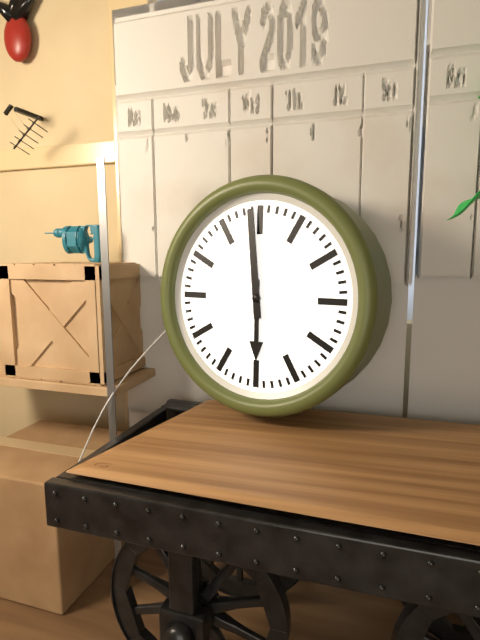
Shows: h=5 m=59
